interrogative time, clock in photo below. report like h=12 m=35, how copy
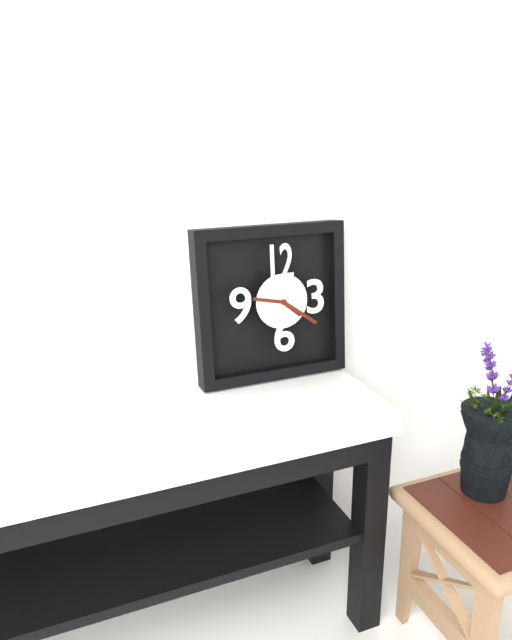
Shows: h=4 m=21
